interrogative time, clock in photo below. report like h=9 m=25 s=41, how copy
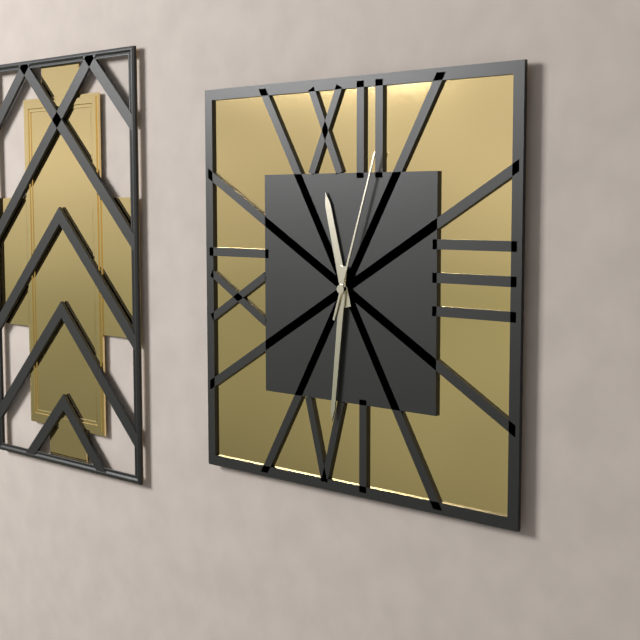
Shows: h=11 m=31 s=3
